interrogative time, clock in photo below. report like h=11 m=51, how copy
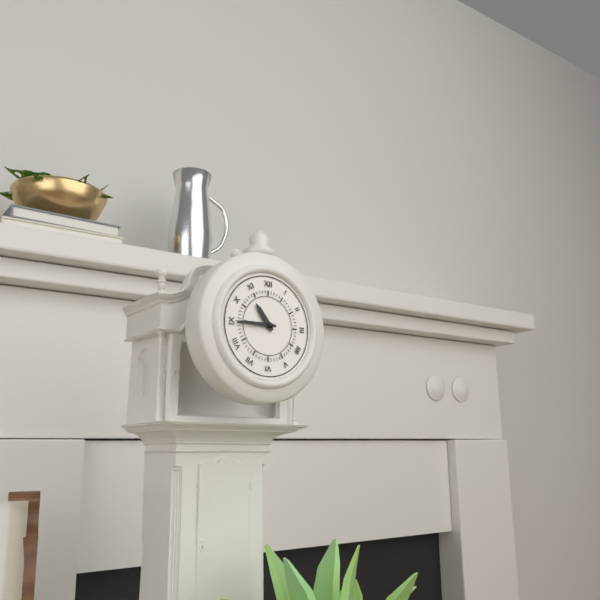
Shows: h=10 m=45
